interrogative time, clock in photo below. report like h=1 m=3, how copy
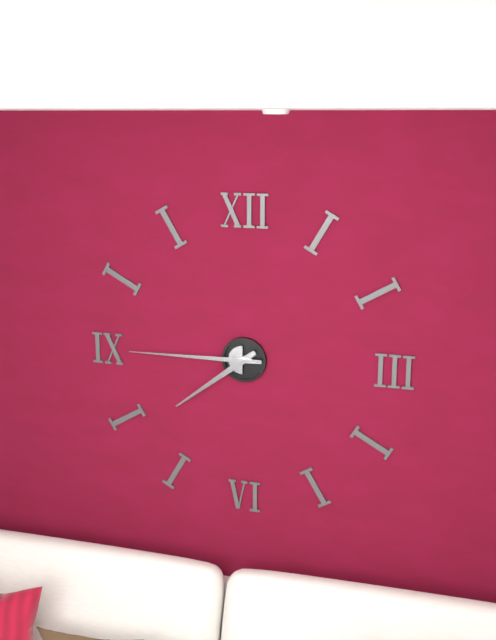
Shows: h=7 m=45
